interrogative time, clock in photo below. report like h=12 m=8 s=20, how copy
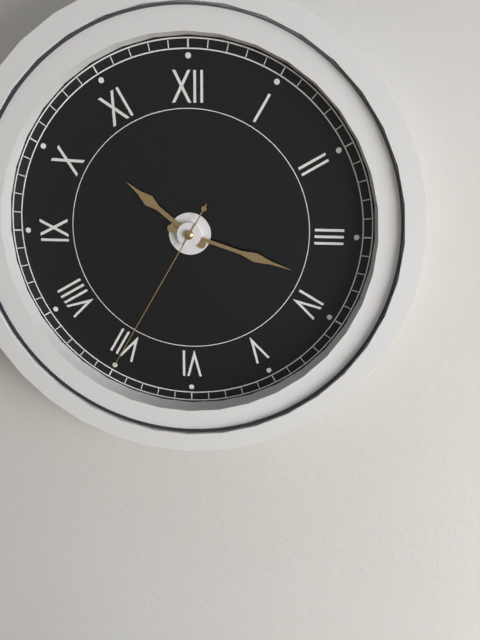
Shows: h=10 m=18 s=35
